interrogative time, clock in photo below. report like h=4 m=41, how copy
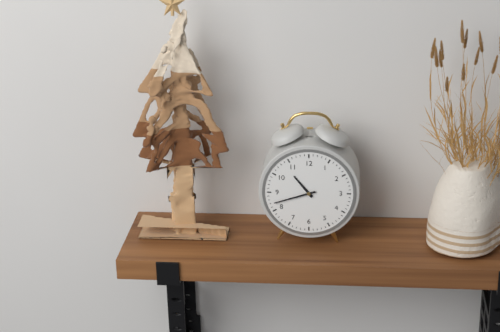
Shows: h=10 m=42
